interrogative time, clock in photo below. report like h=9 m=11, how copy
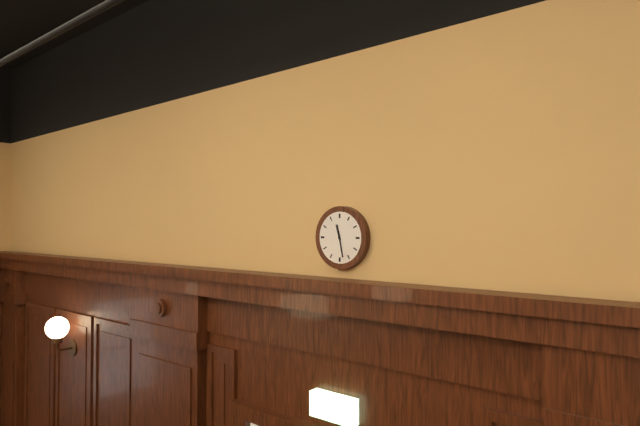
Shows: h=11 m=28
